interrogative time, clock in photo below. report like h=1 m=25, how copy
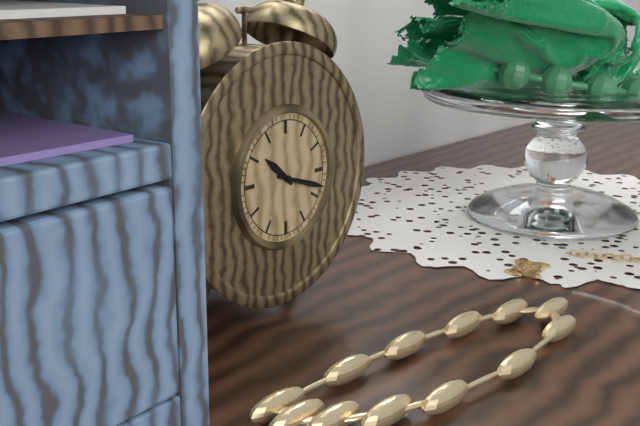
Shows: h=10 m=18
